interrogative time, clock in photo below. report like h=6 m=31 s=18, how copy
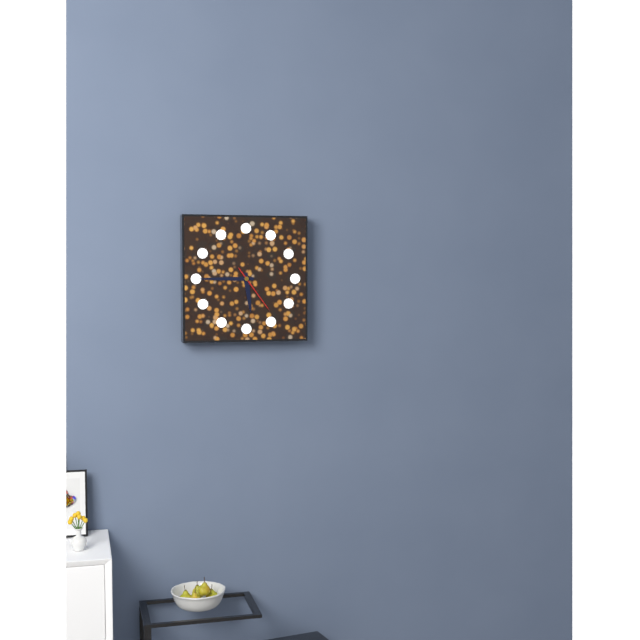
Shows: h=5 m=45 s=24
